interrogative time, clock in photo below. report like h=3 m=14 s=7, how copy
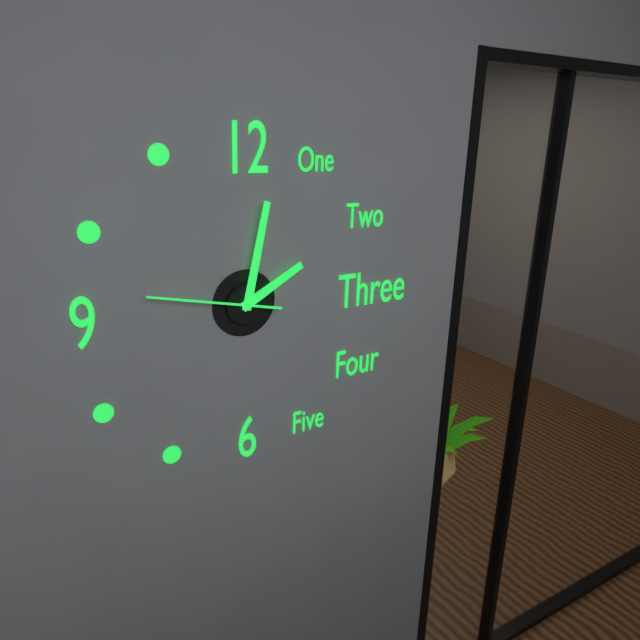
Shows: h=2 m=2 s=47
